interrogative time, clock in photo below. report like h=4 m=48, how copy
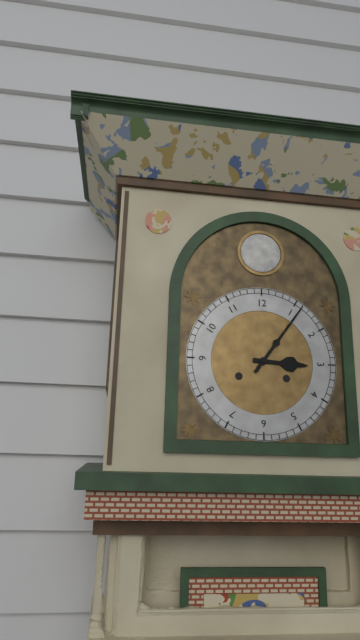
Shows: h=3 m=6
